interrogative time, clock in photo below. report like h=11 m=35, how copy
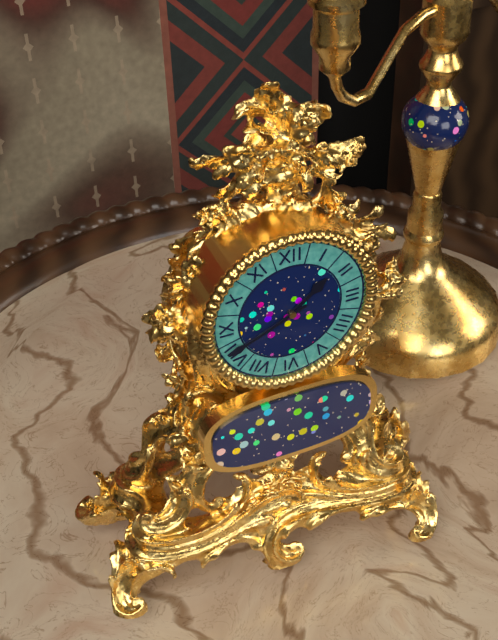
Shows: h=1 m=41
